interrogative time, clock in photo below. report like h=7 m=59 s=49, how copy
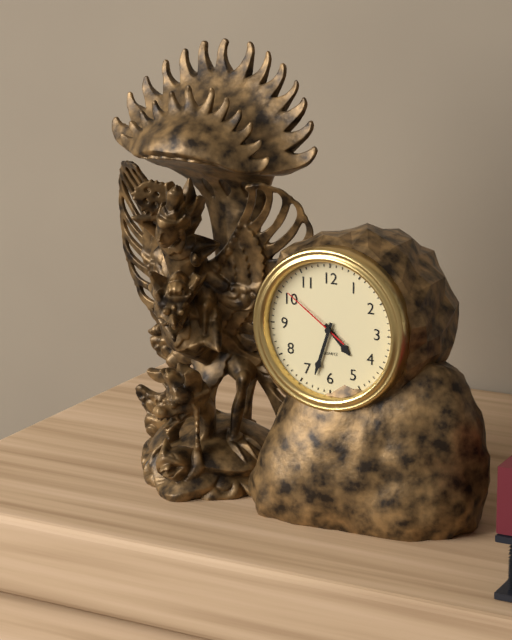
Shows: h=4 m=33 s=51
